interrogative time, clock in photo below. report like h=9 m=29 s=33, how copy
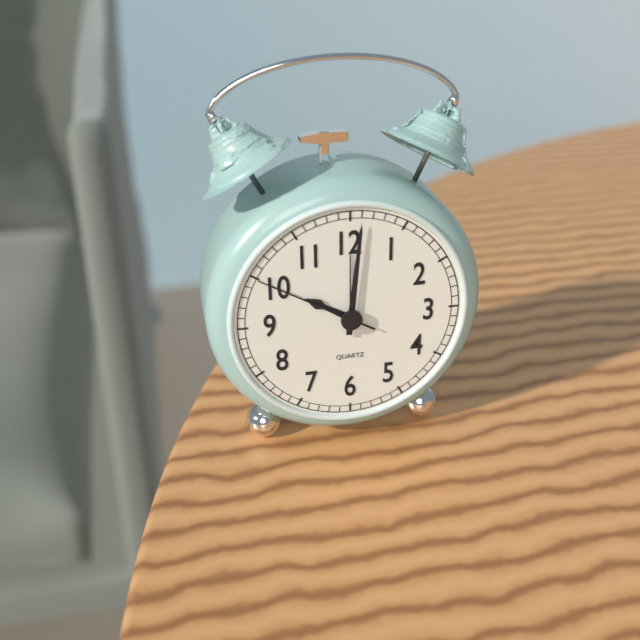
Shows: h=10 m=1 s=50
